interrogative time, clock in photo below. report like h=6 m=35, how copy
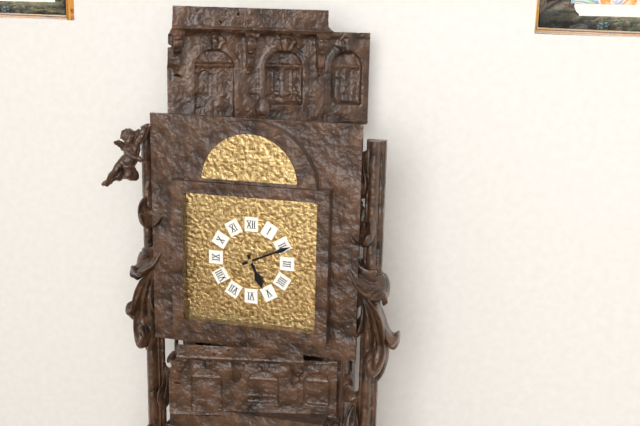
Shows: h=5 m=11
